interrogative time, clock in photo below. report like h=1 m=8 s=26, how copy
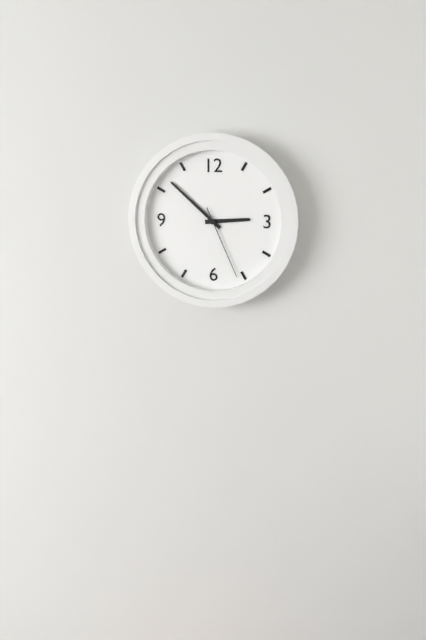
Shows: h=2 m=52 s=26
